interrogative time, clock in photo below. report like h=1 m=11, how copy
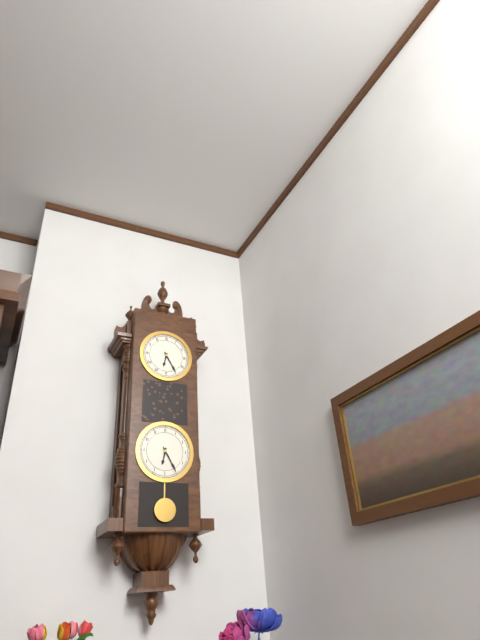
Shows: h=6 m=25
